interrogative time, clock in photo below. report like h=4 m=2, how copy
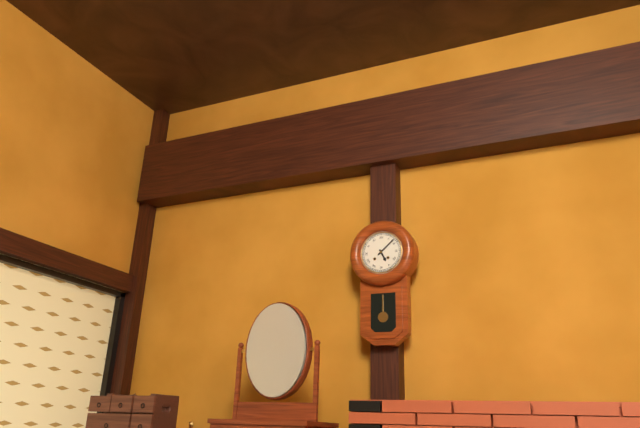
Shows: h=5 m=8
